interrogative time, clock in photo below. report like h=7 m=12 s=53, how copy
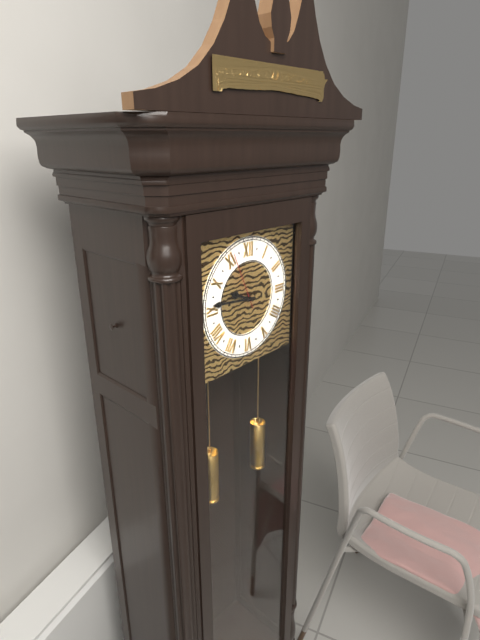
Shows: h=9 m=46 s=56
